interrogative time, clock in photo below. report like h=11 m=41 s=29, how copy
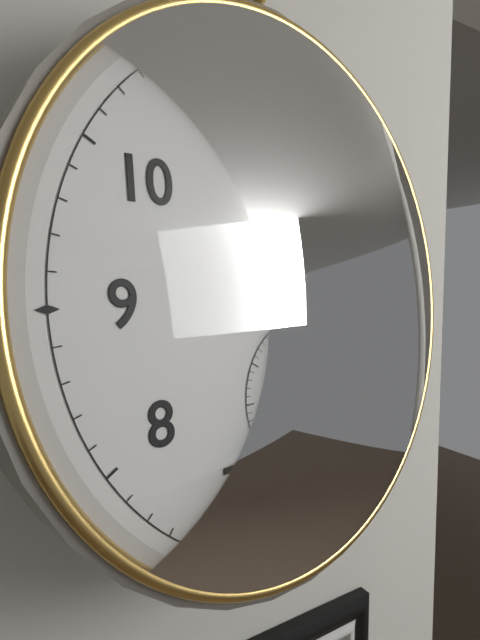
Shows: h=1 m=10 s=30
